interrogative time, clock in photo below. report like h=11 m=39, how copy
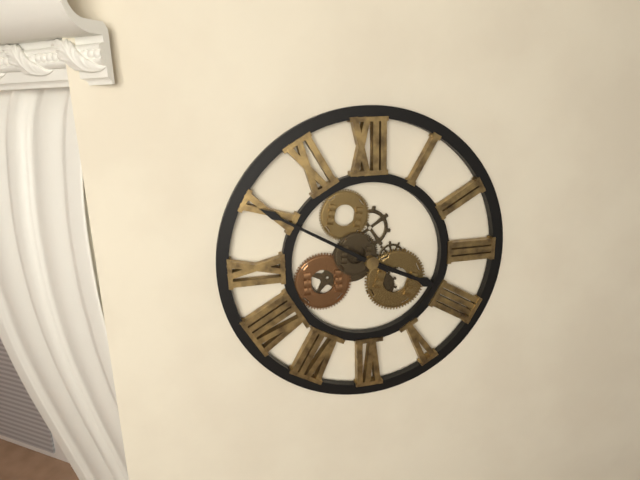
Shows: h=3 m=50
